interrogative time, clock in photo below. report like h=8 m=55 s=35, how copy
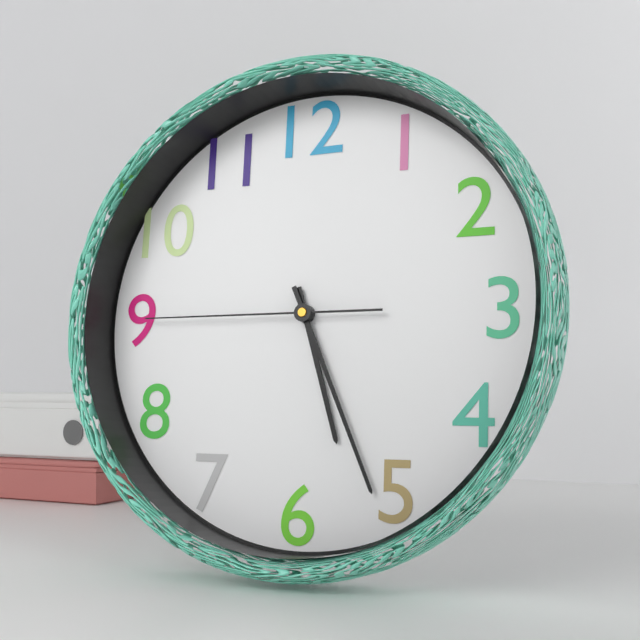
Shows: h=5 m=26 s=45
